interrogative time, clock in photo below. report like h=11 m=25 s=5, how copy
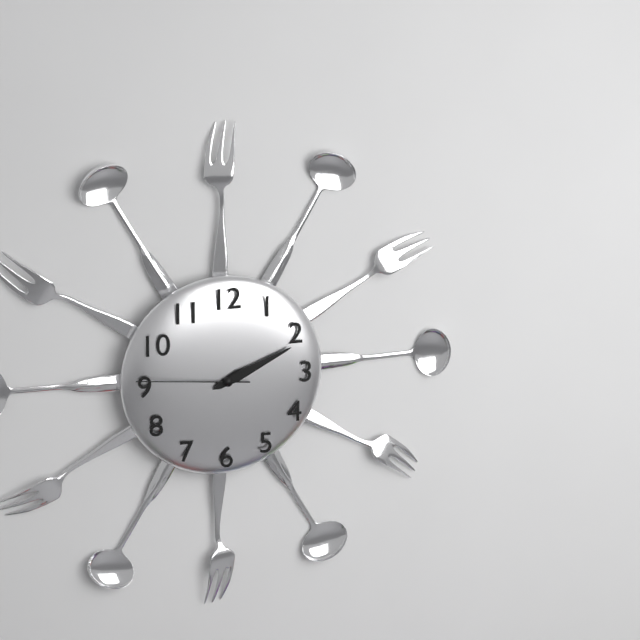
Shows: h=2 m=11 s=46
